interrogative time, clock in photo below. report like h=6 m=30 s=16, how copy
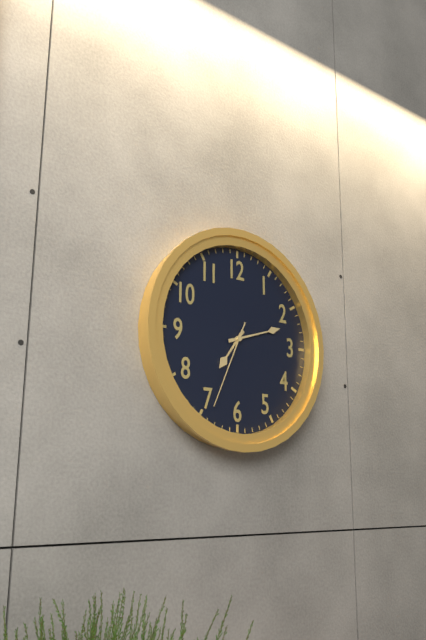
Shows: h=7 m=12 s=34
